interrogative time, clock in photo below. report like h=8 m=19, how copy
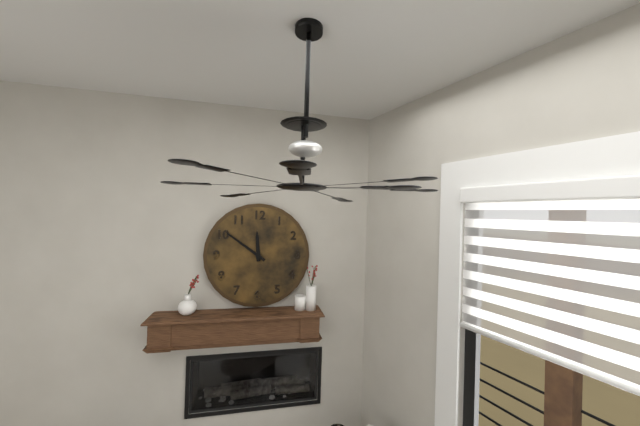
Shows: h=11 m=51
